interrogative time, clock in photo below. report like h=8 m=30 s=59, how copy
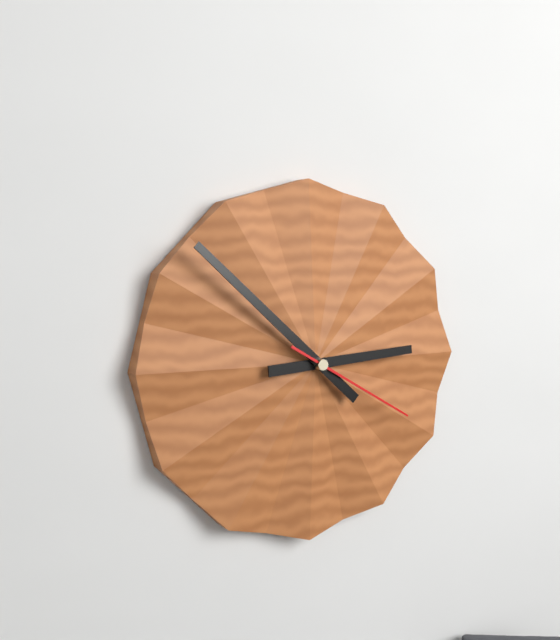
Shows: h=2 m=52 s=20
